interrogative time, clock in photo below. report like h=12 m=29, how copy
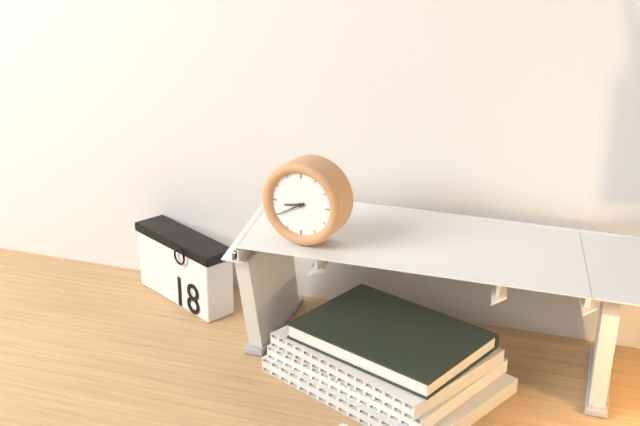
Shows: h=8 m=40
